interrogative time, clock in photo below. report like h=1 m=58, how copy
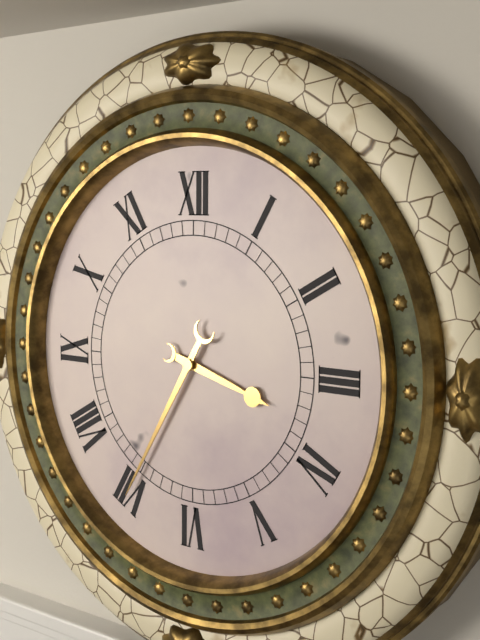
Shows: h=3 m=35
